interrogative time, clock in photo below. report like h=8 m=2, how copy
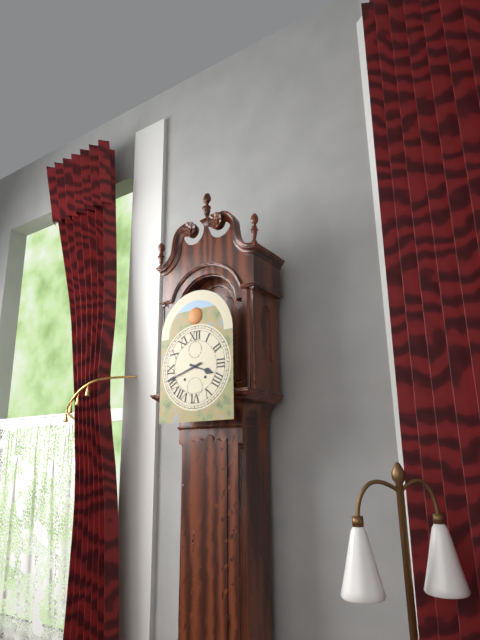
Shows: h=3 m=42
